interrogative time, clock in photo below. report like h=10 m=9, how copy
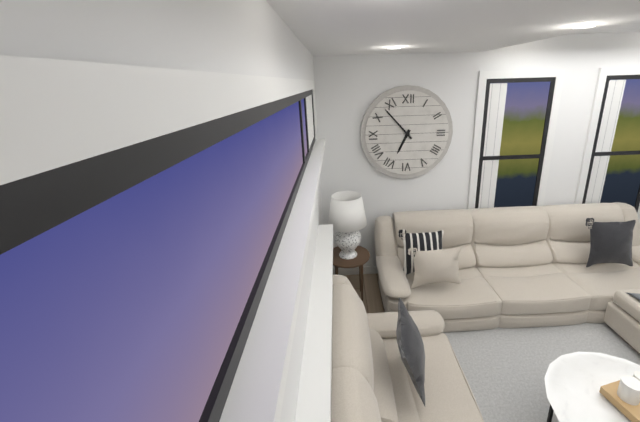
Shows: h=6 m=53
